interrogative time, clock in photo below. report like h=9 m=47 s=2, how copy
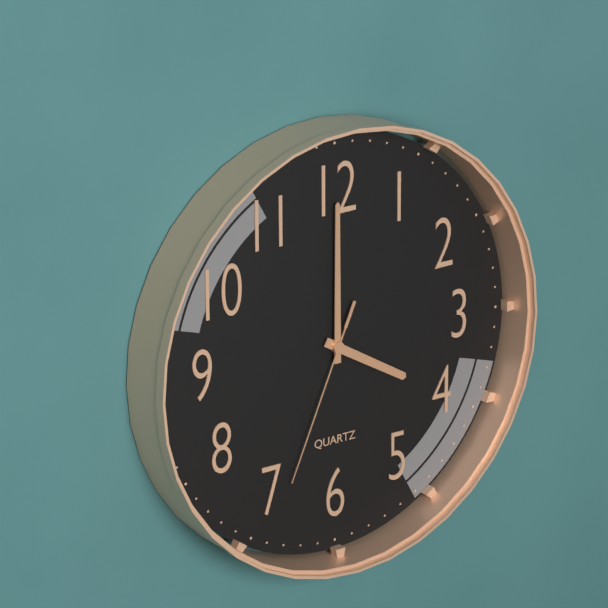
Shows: h=4 m=0 s=34
